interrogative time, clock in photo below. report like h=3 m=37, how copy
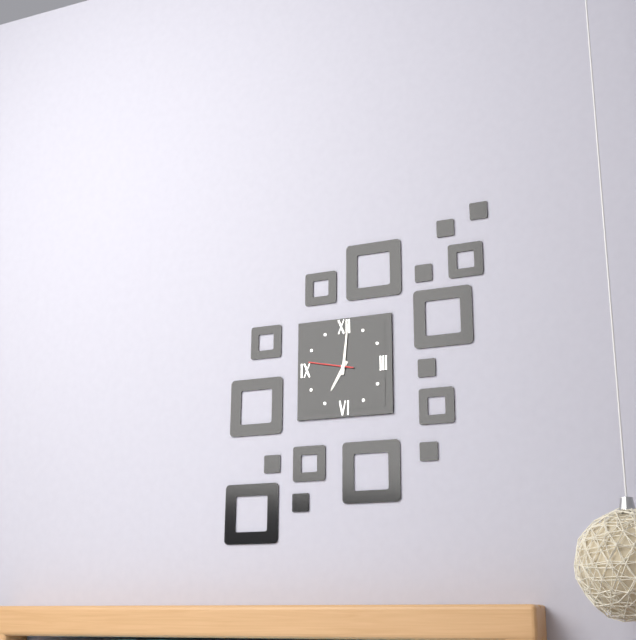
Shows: h=7 m=1
